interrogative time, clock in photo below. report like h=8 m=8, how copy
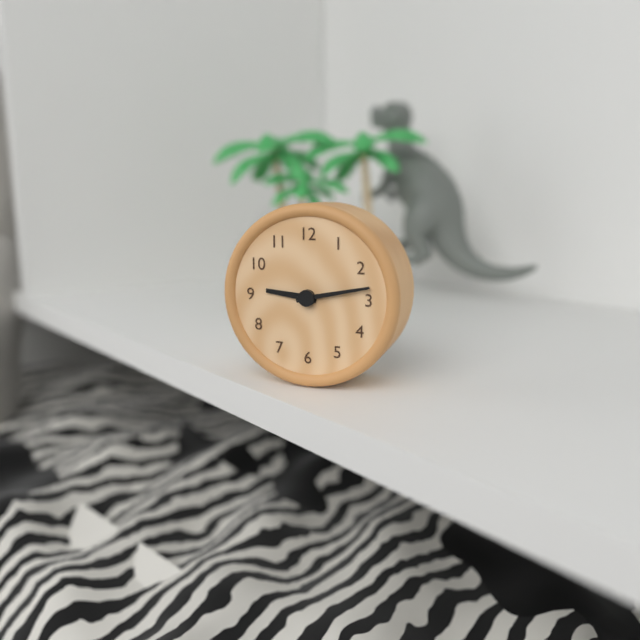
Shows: h=9 m=13
